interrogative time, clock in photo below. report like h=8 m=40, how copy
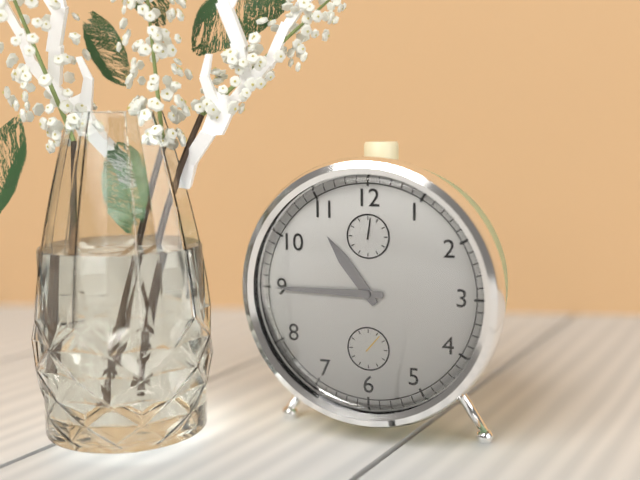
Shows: h=10 m=45
